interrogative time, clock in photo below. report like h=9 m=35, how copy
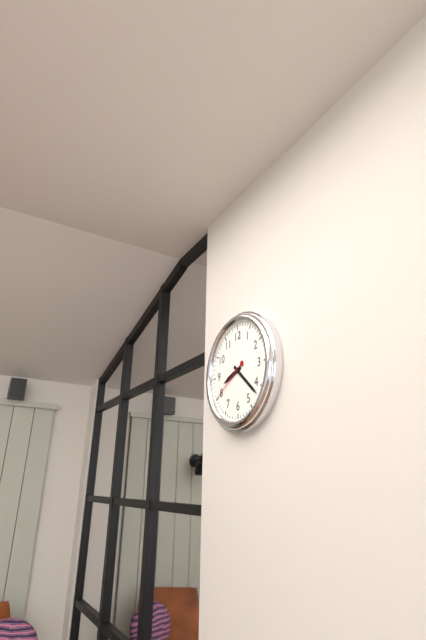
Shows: h=8 m=22
